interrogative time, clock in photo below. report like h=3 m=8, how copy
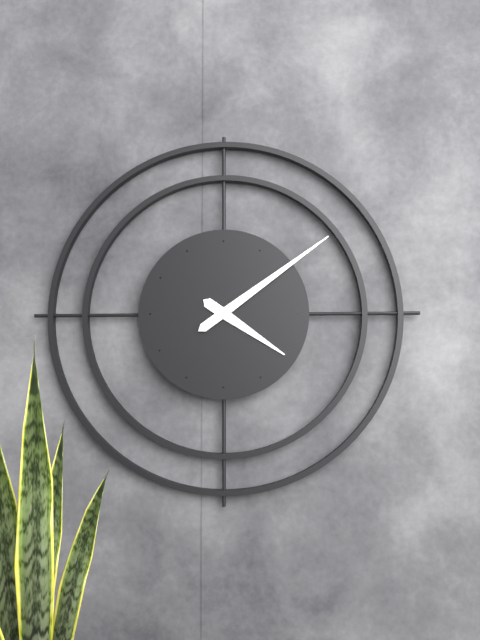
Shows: h=4 m=9
